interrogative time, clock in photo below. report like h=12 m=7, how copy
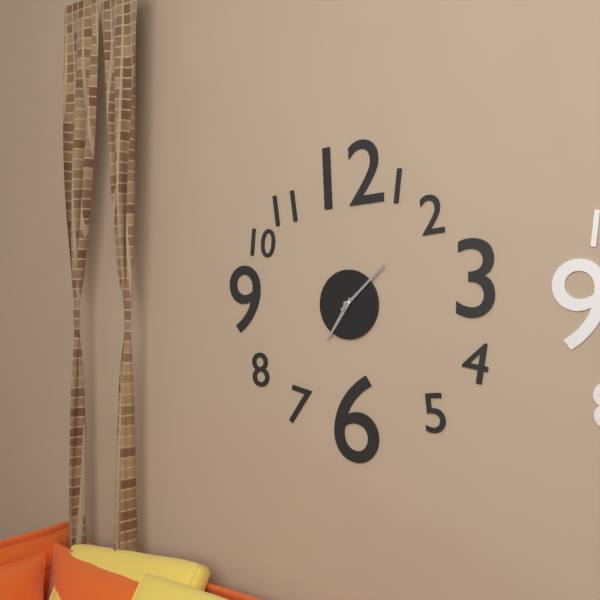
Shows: h=7 m=8
